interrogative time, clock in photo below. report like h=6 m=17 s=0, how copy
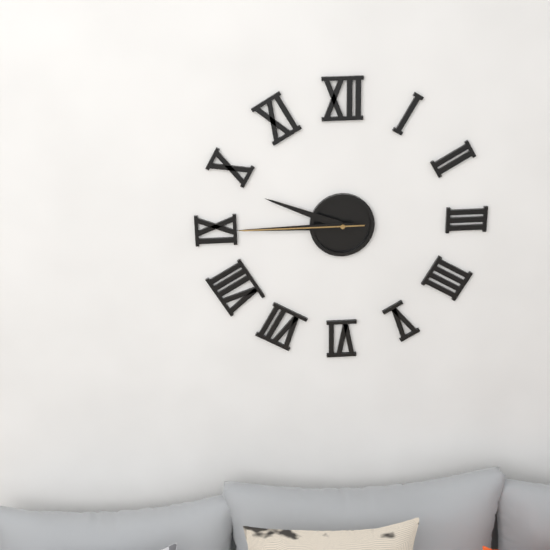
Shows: h=9 m=45 s=45
